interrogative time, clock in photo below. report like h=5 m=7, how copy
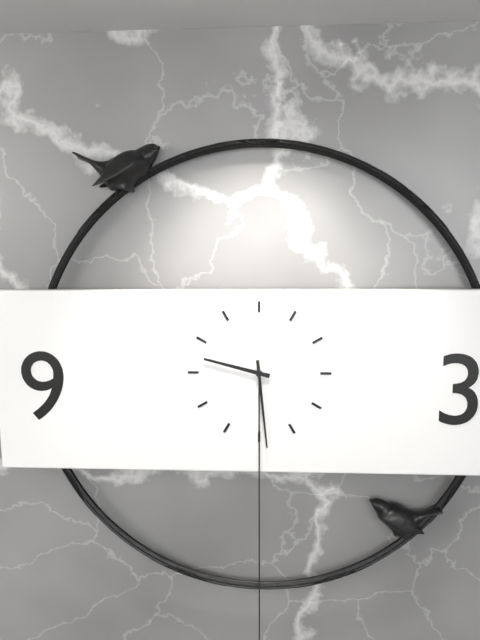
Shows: h=9 m=29
